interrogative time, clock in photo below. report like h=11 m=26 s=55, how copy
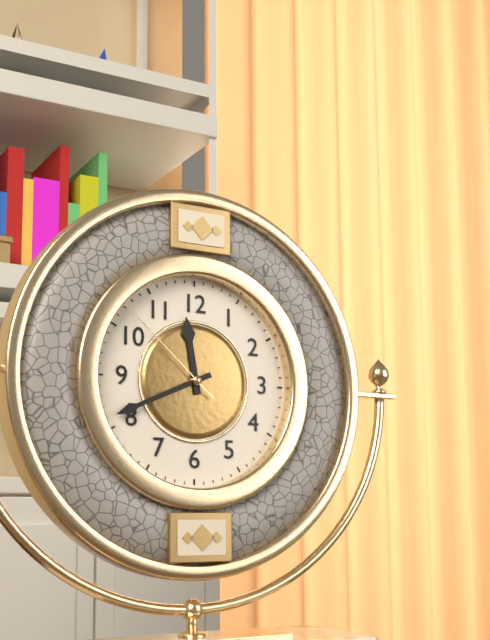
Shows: h=11 m=41 s=52
